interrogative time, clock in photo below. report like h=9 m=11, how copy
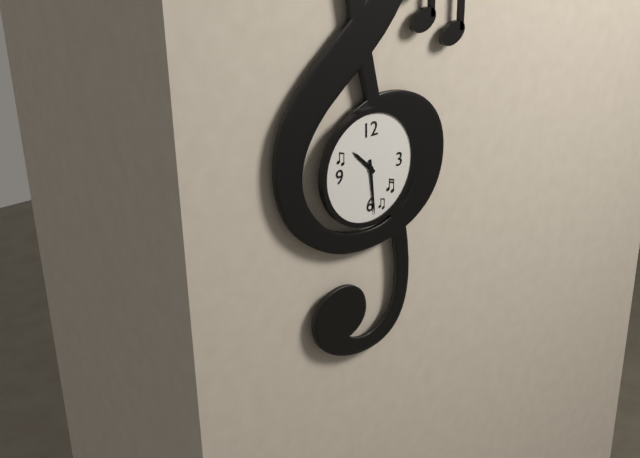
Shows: h=10 m=29
